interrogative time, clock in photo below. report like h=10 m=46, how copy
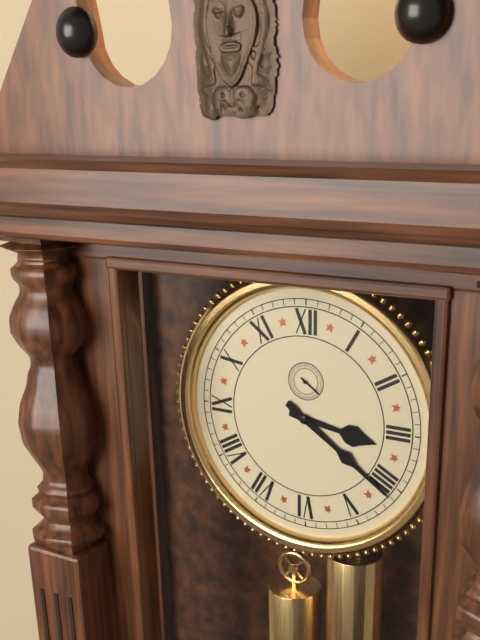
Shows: h=3 m=21
